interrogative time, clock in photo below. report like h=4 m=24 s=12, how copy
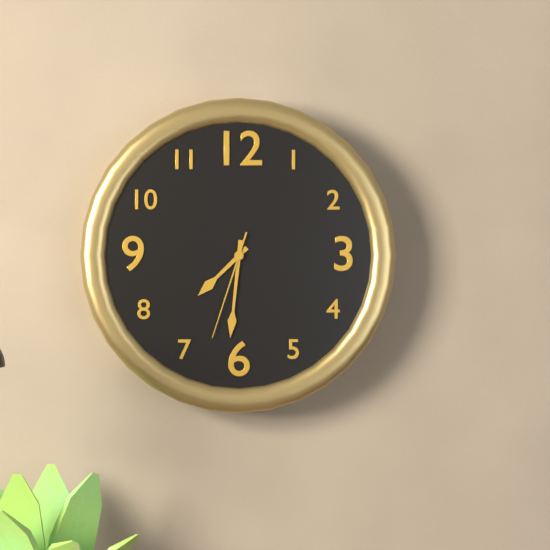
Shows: h=7 m=31 s=33
